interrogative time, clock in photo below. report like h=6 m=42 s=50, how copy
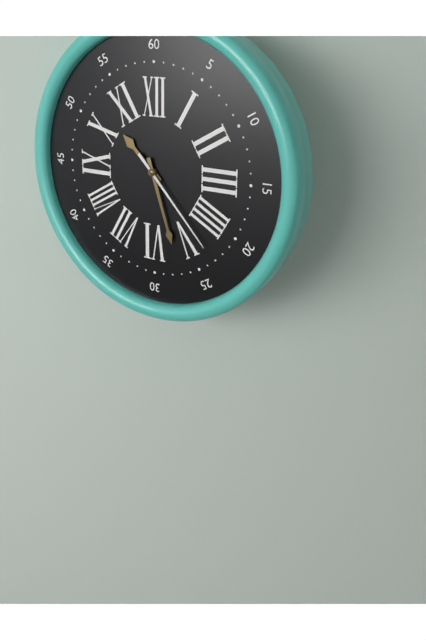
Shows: h=10 m=27 s=23
